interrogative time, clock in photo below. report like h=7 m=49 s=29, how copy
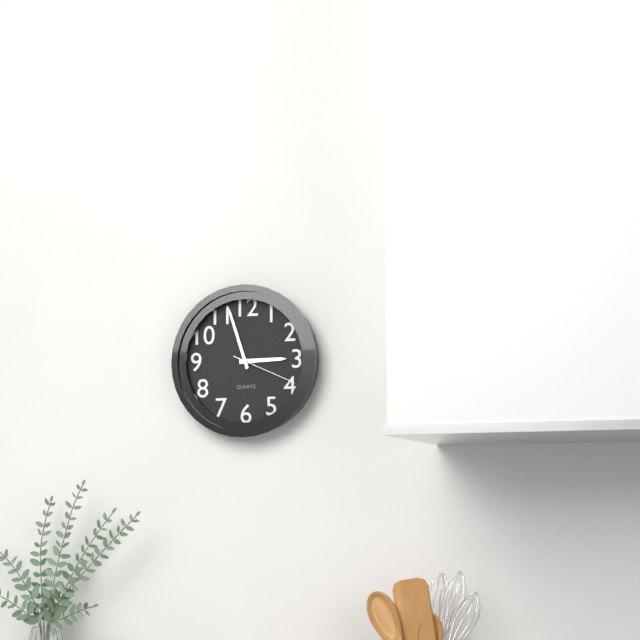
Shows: h=2 m=57 s=19
